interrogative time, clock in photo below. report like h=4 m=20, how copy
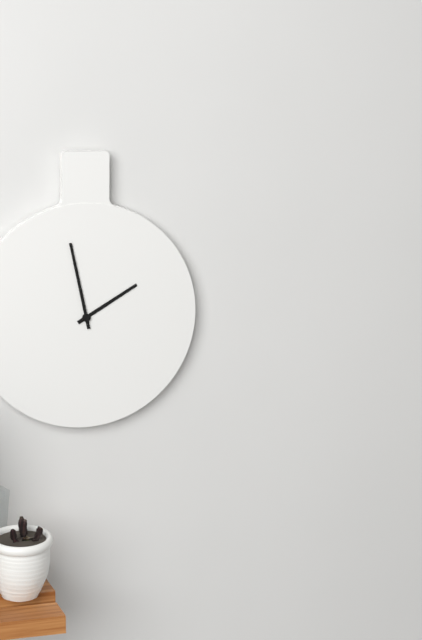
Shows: h=1 m=58
